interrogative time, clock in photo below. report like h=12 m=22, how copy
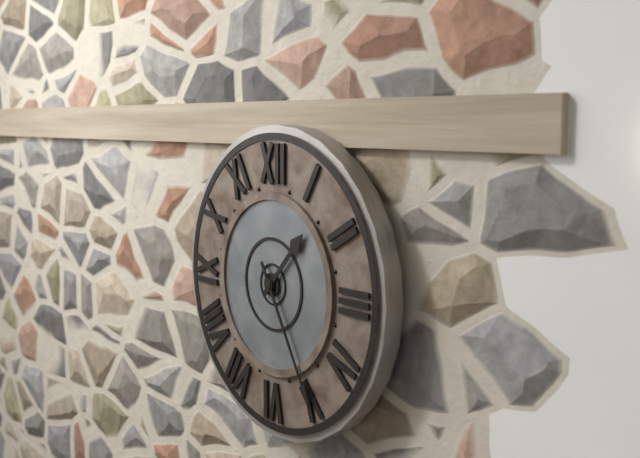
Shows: h=1 m=25
